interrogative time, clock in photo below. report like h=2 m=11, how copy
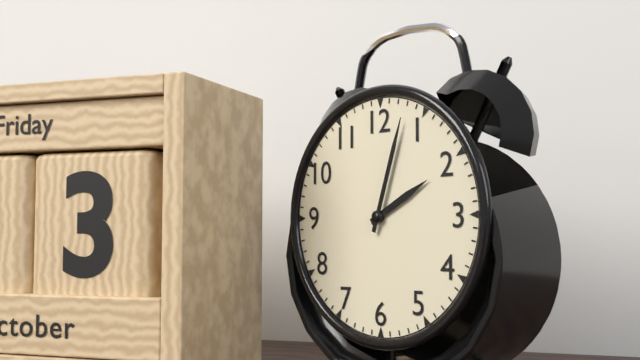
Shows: h=2 m=3
